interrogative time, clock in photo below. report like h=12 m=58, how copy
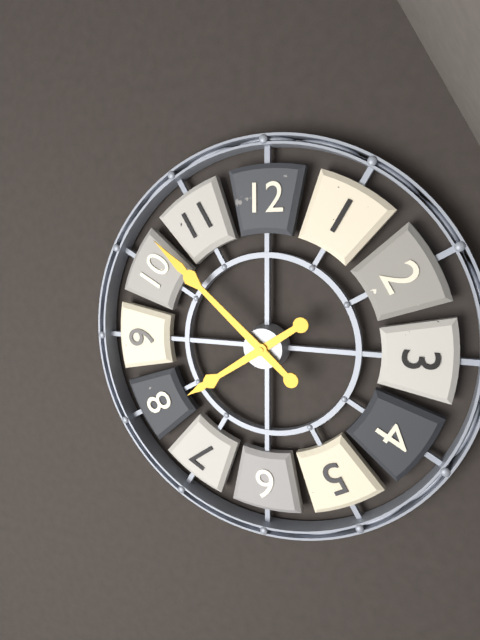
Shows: h=7 m=52
